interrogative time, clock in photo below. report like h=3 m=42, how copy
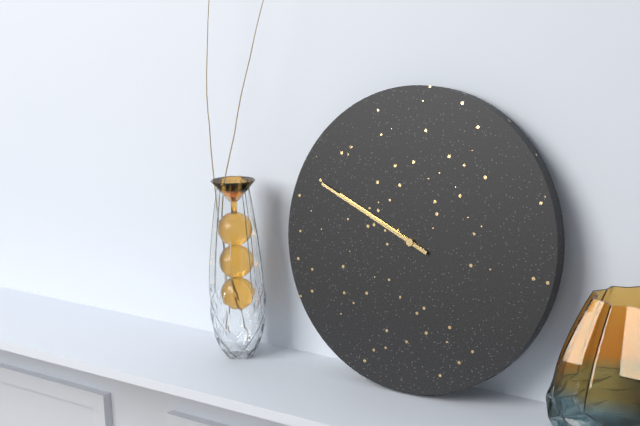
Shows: h=9 m=49
